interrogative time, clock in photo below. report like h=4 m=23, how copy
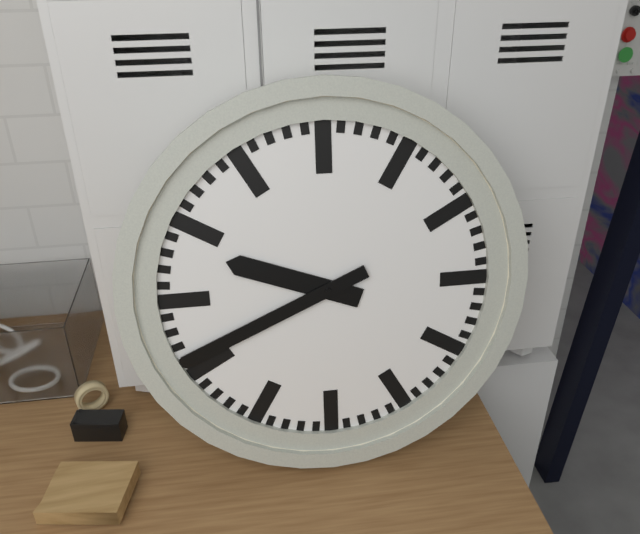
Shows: h=9 m=41
